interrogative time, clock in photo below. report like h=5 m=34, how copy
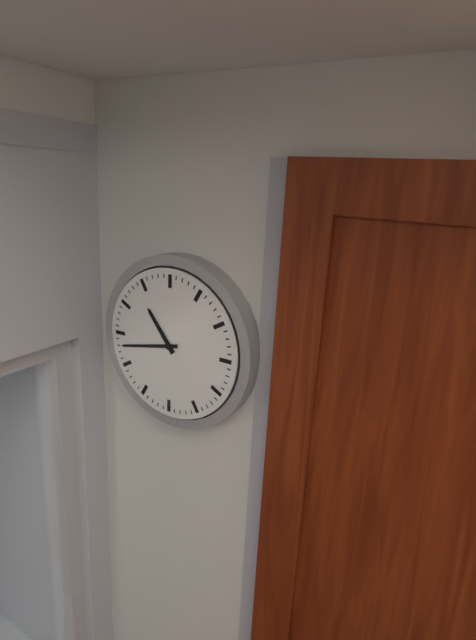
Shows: h=10 m=43
